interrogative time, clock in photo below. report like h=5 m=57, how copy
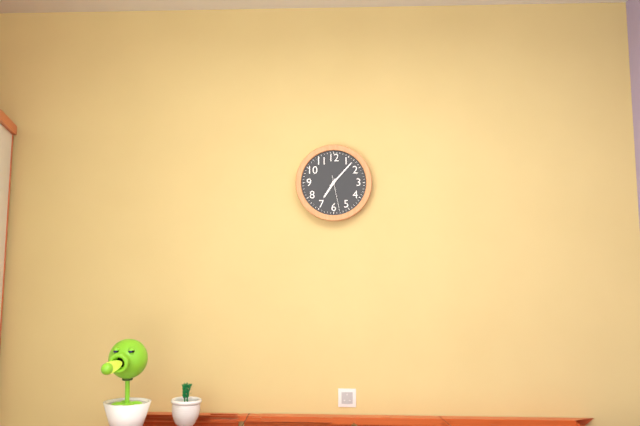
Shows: h=7 m=7
